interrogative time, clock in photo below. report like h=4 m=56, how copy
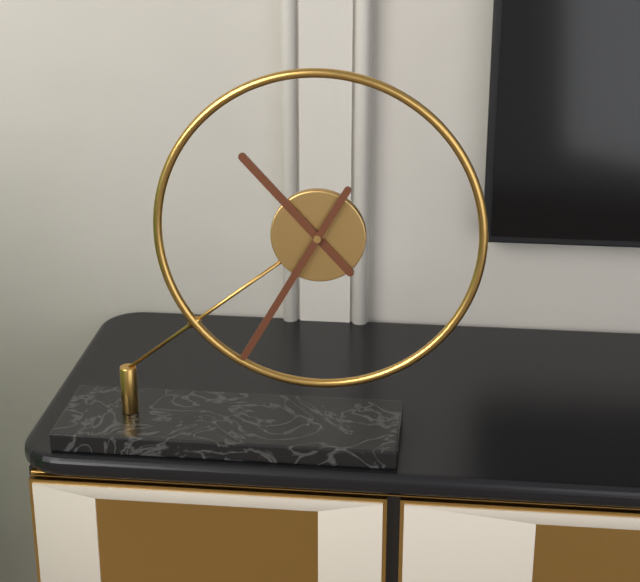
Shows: h=10 m=35
